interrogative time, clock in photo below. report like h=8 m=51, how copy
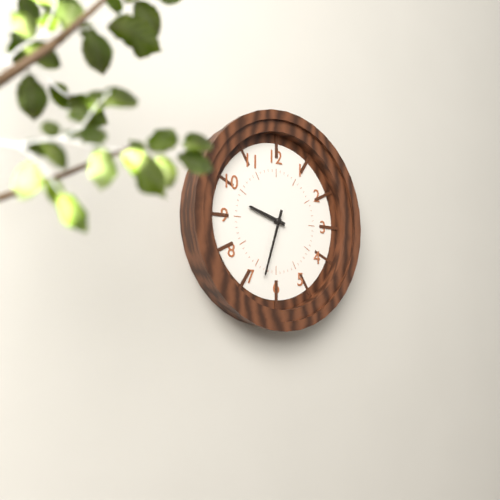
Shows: h=9 m=33
